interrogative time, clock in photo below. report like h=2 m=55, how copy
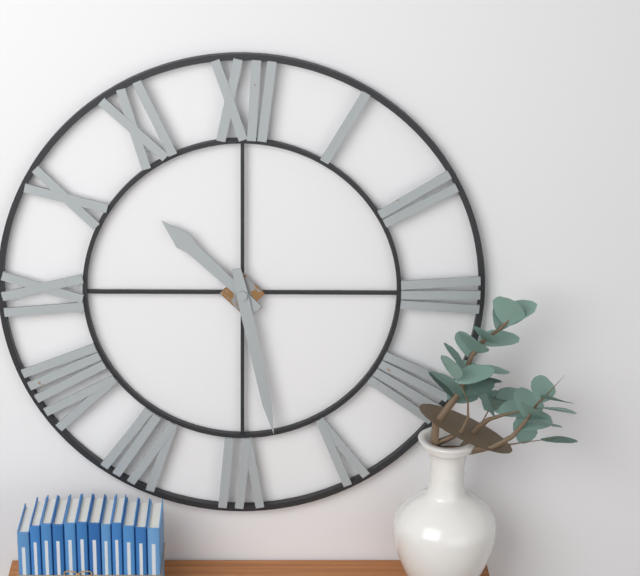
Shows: h=10 m=28
